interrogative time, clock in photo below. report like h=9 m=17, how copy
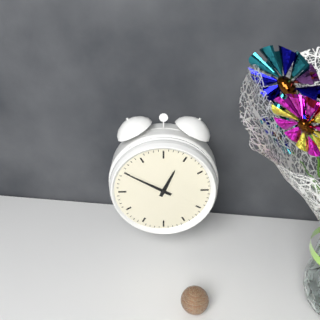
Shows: h=12 m=50
